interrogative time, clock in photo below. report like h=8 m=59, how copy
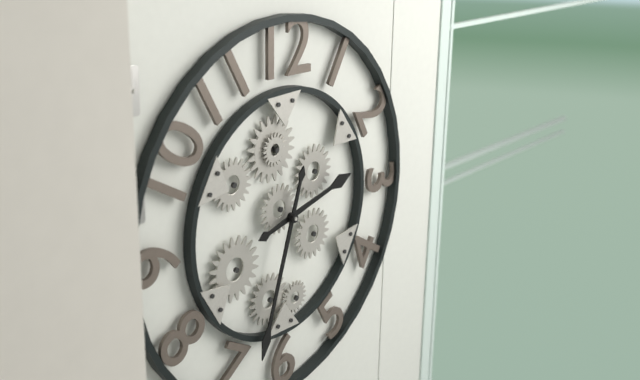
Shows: h=2 m=33
